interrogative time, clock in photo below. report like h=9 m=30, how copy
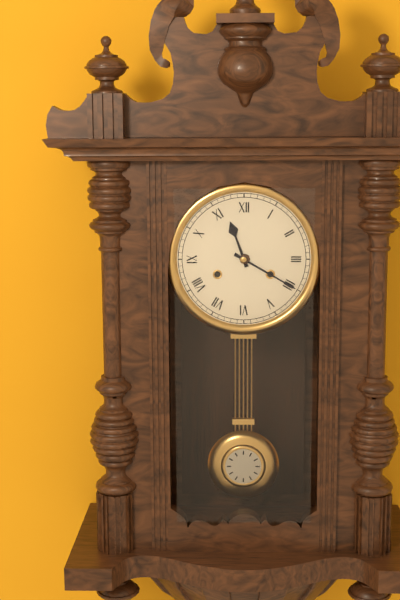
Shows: h=11 m=20
